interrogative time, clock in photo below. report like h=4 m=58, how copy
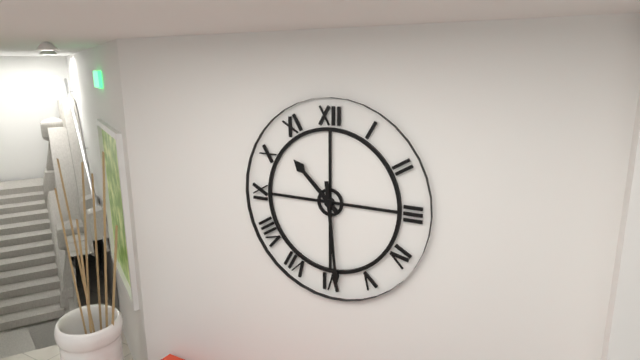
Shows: h=10 m=29
